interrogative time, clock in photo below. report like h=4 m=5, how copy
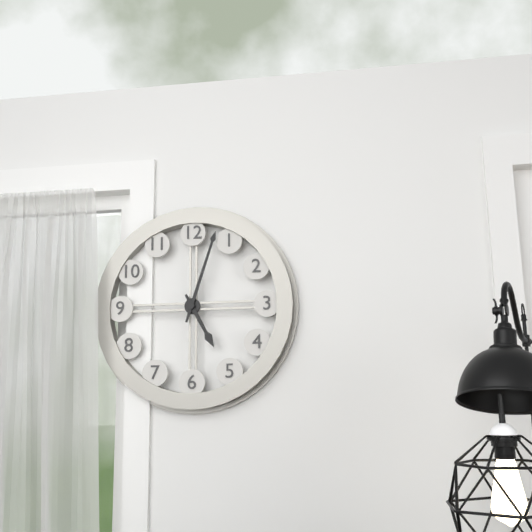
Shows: h=5 m=3
